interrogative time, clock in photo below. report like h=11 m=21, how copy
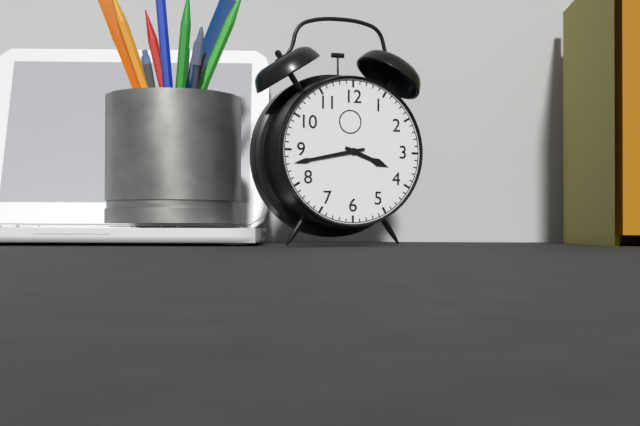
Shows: h=3 m=43
